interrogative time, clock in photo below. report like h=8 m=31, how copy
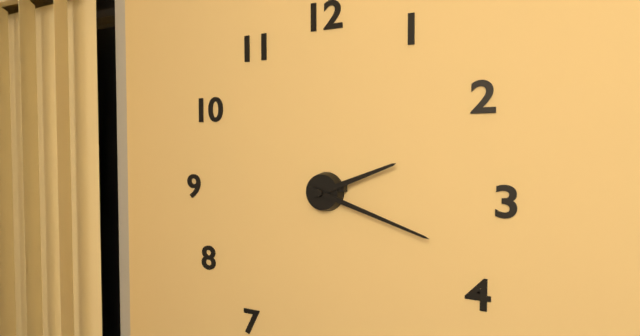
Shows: h=2 m=18
